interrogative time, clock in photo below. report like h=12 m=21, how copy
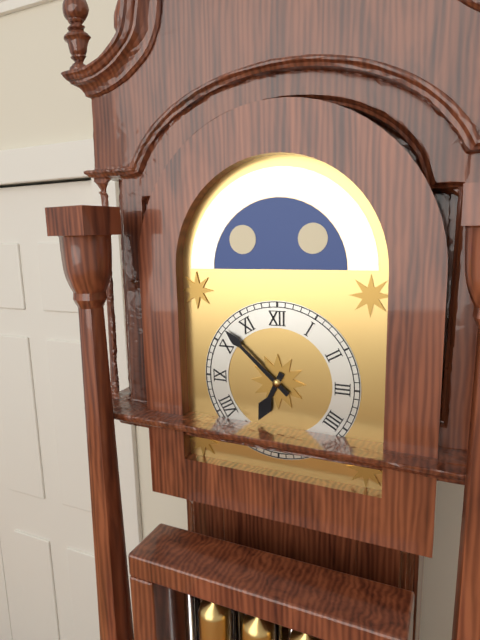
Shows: h=6 m=52
